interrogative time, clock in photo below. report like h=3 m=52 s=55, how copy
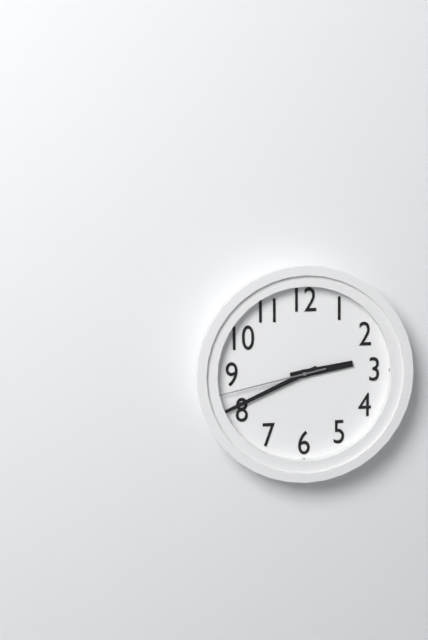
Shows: h=2 m=41 s=43
